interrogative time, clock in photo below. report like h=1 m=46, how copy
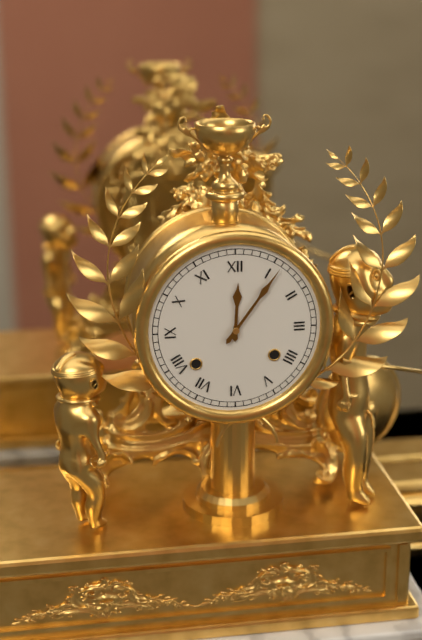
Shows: h=12 m=6
